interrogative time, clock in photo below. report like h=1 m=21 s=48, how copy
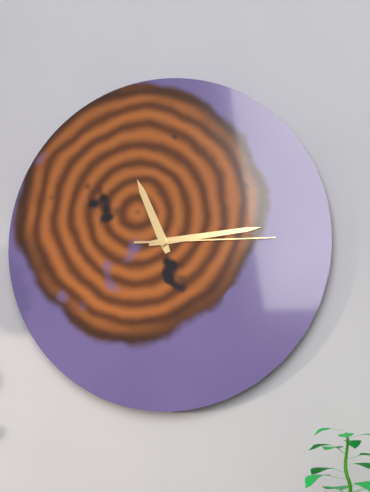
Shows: h=11 m=14 s=15
